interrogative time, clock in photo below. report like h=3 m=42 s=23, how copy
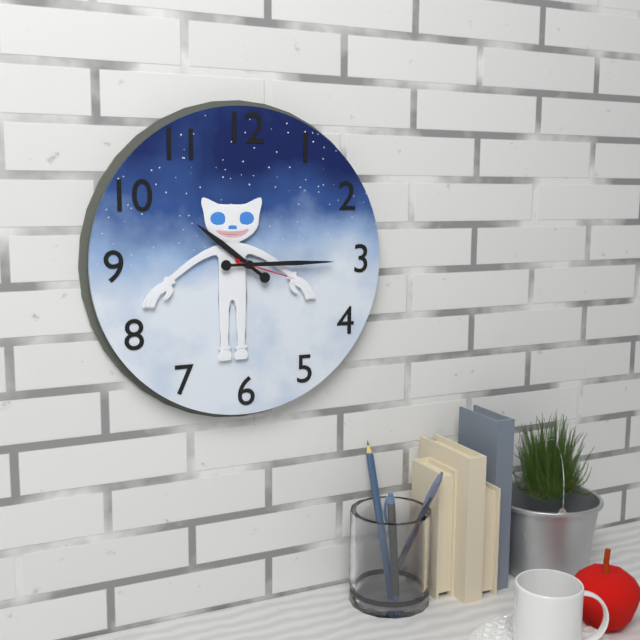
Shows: h=10 m=15 s=18
